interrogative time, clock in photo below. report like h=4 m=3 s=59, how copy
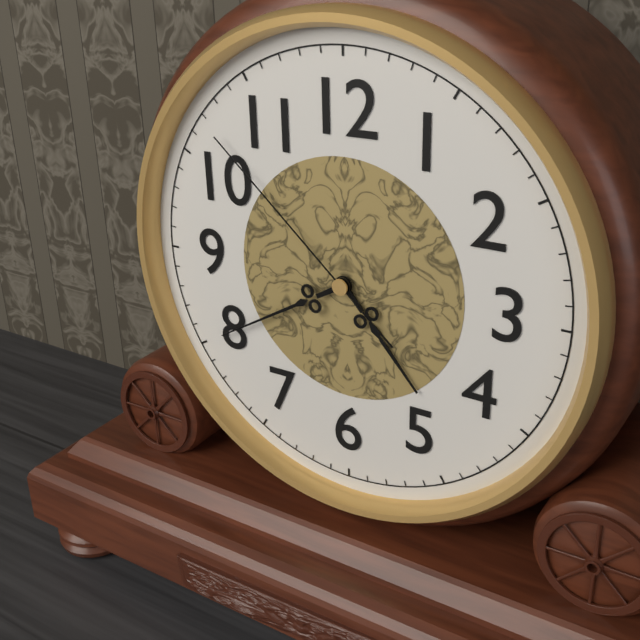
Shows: h=4 m=40 s=52
